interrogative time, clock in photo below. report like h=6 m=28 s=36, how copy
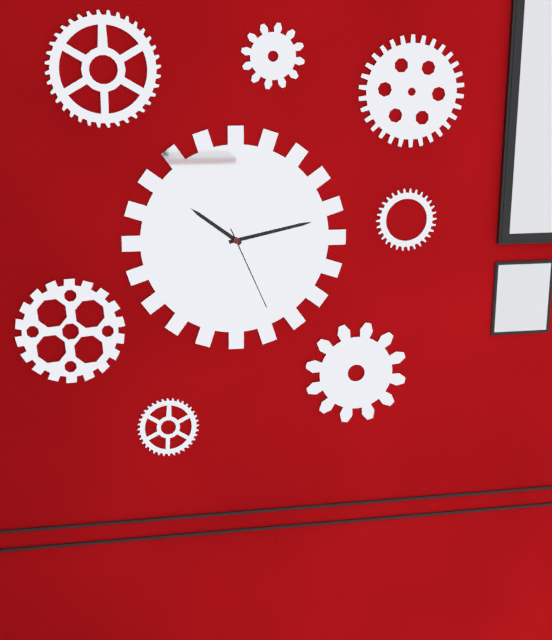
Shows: h=10 m=13 s=26
